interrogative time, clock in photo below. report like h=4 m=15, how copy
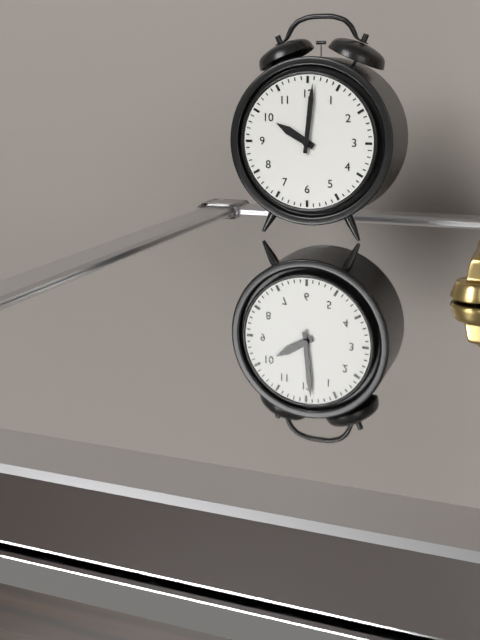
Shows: h=10 m=1
